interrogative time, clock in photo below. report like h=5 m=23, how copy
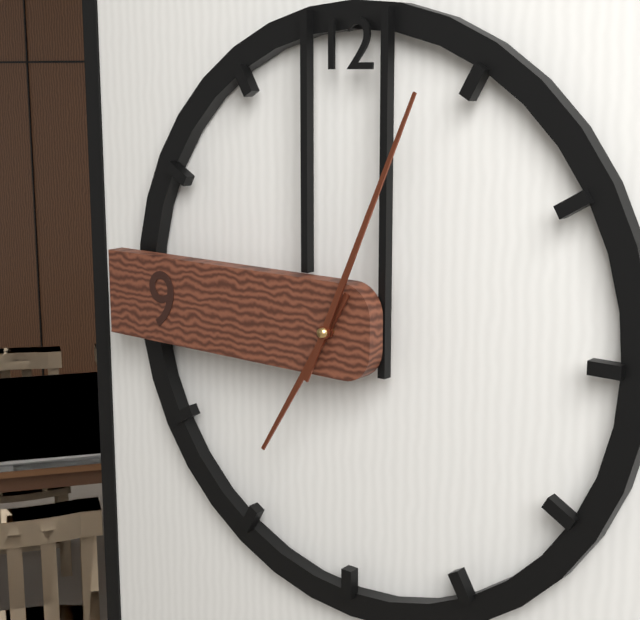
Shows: h=7 m=4
